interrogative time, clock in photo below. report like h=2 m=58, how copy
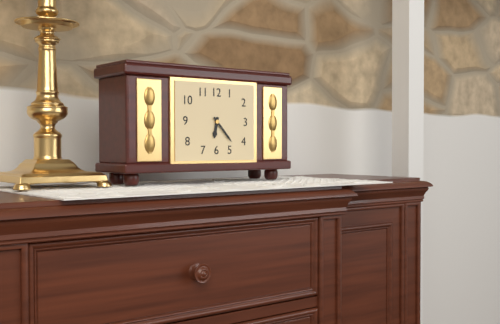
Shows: h=6 m=23
